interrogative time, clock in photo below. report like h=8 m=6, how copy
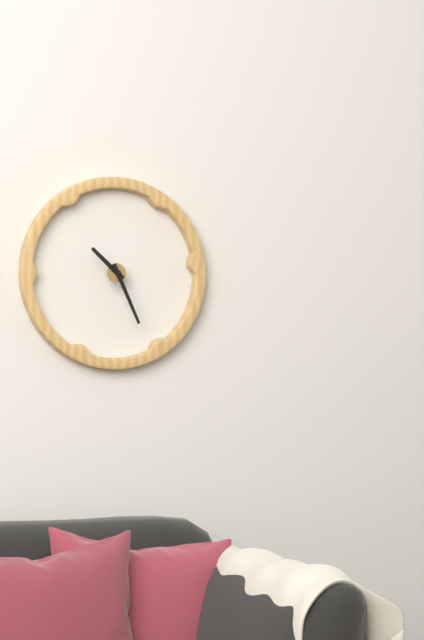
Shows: h=10 m=26
